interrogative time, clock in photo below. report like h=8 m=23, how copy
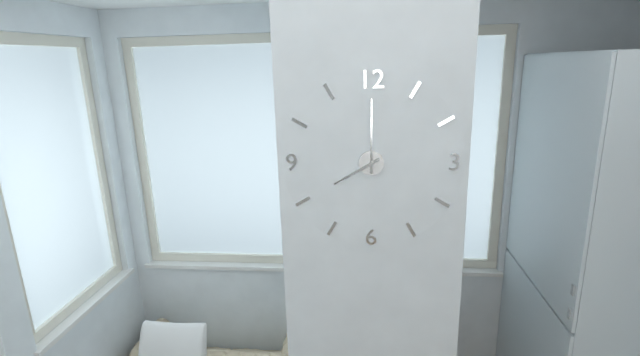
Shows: h=8 m=0
